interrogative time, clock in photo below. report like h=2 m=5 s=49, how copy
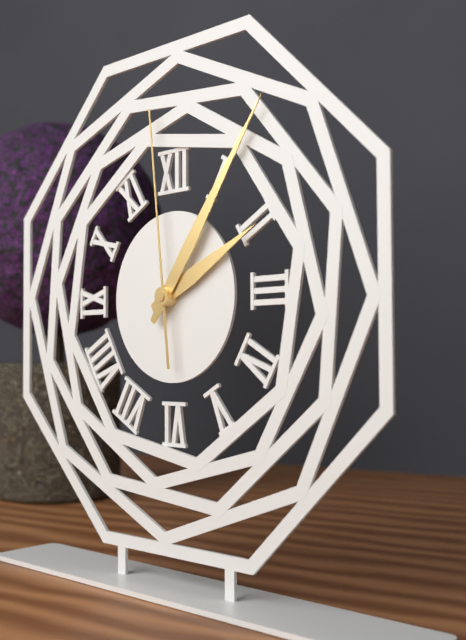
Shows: h=2 m=6 s=59
